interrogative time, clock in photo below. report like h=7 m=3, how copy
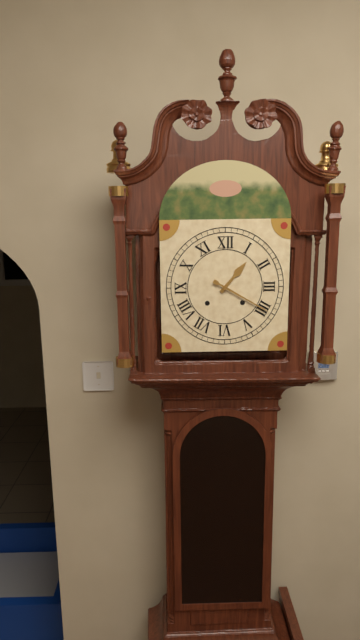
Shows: h=1 m=20
